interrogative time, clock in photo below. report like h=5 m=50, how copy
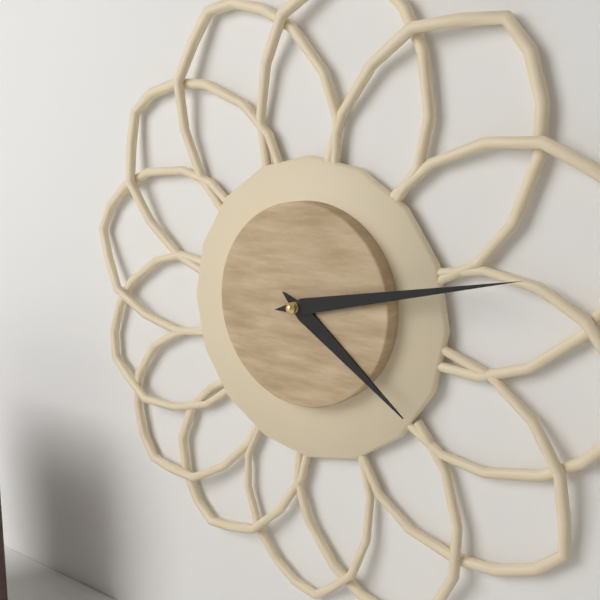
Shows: h=4 m=13
